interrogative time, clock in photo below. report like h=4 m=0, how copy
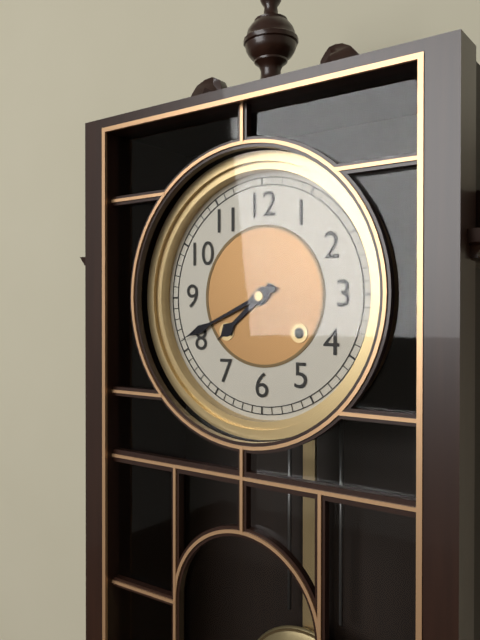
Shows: h=7 m=41
